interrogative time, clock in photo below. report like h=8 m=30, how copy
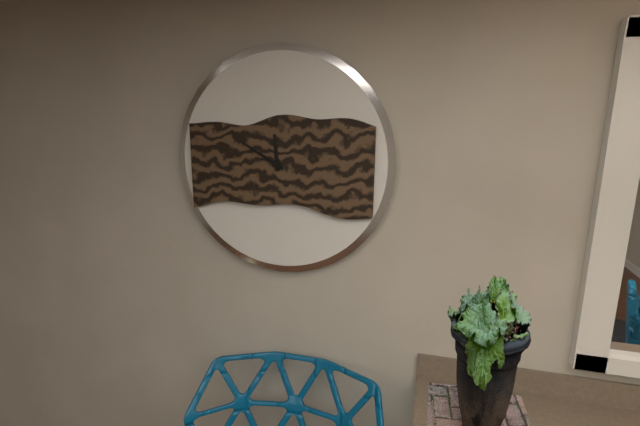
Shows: h=11 m=50
